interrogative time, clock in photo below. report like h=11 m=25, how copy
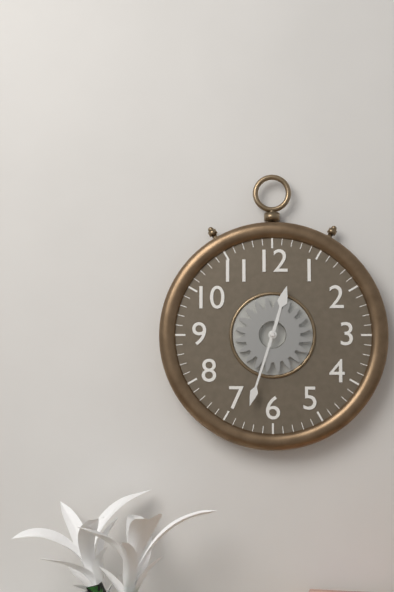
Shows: h=12 m=33
